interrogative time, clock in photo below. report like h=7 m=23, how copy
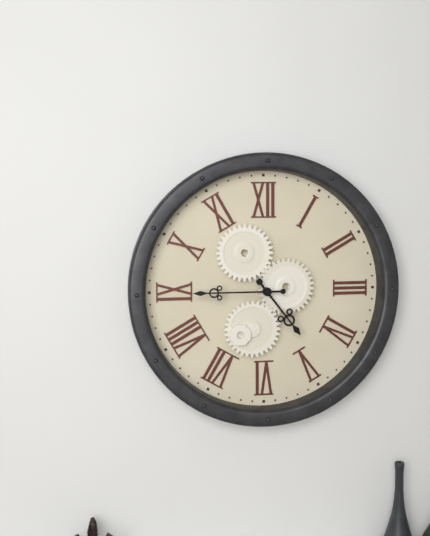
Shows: h=4 m=45
